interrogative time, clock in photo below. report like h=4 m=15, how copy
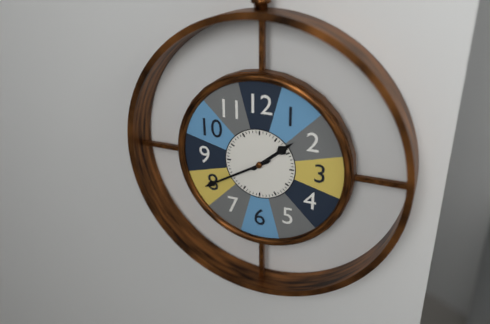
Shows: h=1 m=40
